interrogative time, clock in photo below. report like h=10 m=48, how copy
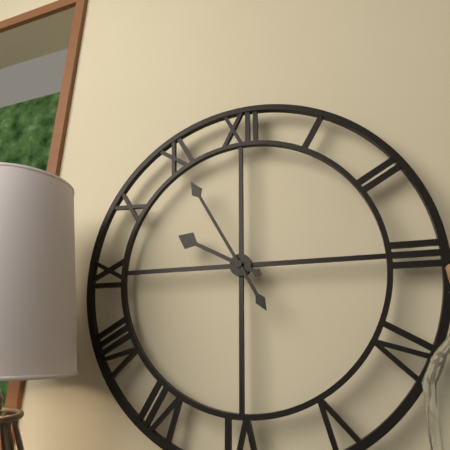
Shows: h=9 m=55
